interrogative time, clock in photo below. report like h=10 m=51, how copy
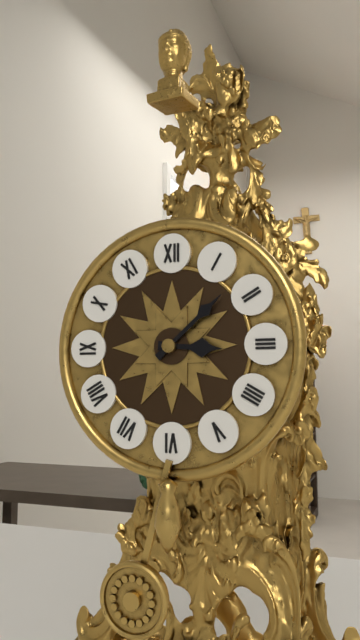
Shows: h=3 m=8
